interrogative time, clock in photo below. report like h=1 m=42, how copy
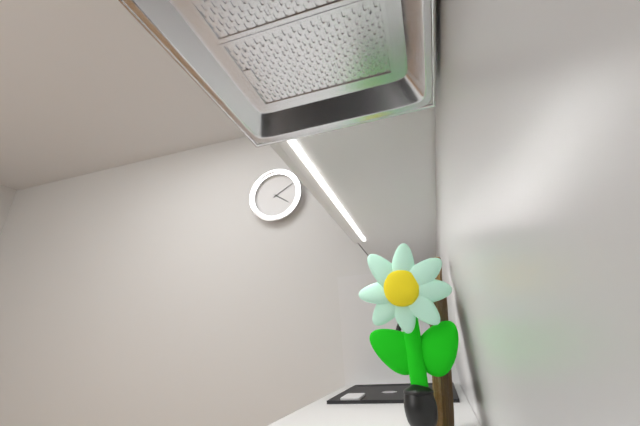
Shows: h=4 m=10
